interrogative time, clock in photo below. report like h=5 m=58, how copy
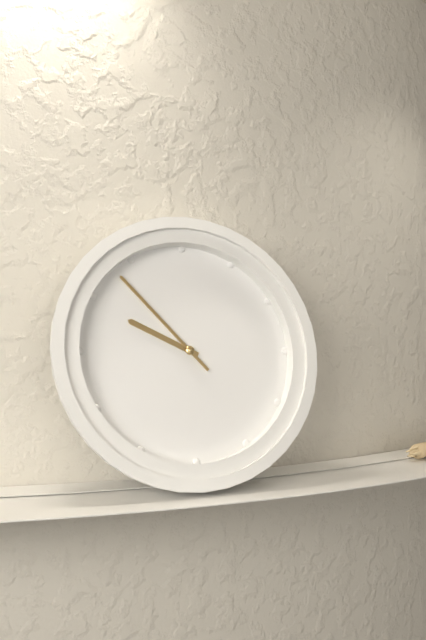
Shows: h=9 m=53
